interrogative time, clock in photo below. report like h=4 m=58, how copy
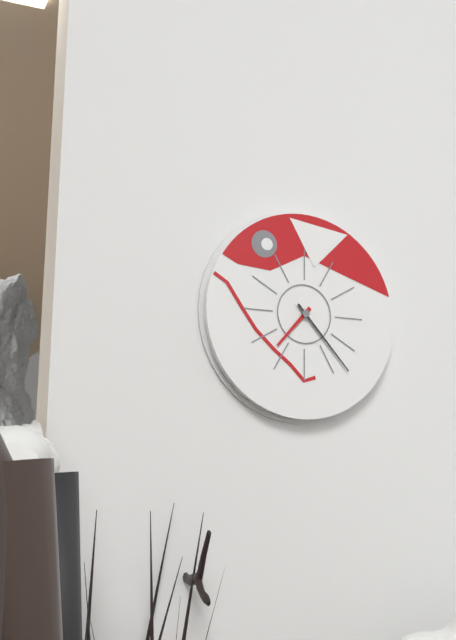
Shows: h=7 m=23
